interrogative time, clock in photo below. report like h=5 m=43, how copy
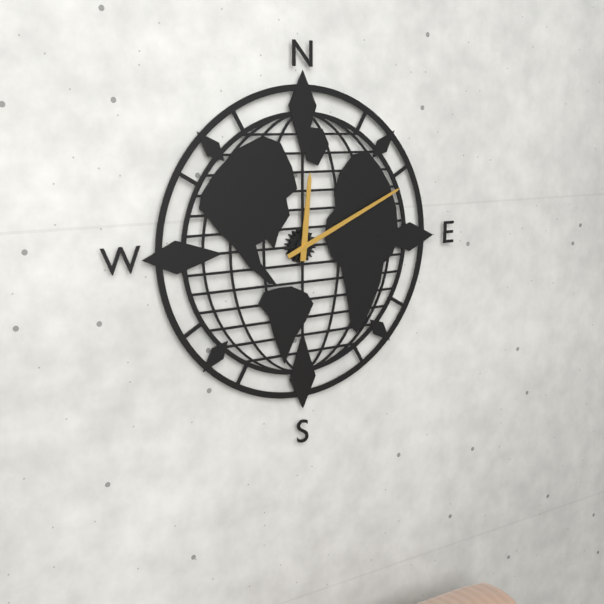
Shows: h=12 m=11
